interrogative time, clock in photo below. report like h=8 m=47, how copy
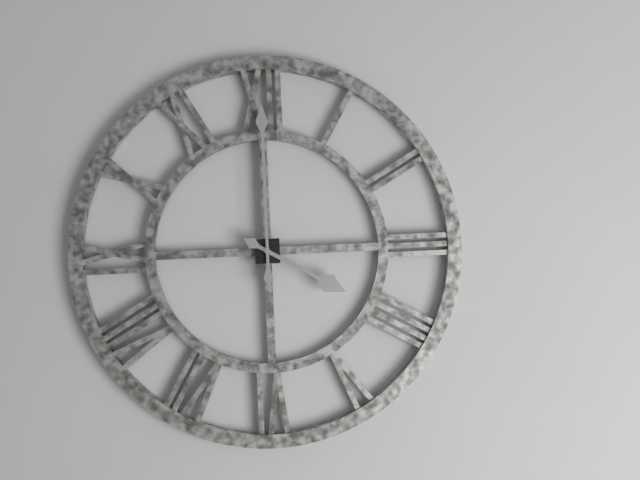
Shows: h=4 m=0
